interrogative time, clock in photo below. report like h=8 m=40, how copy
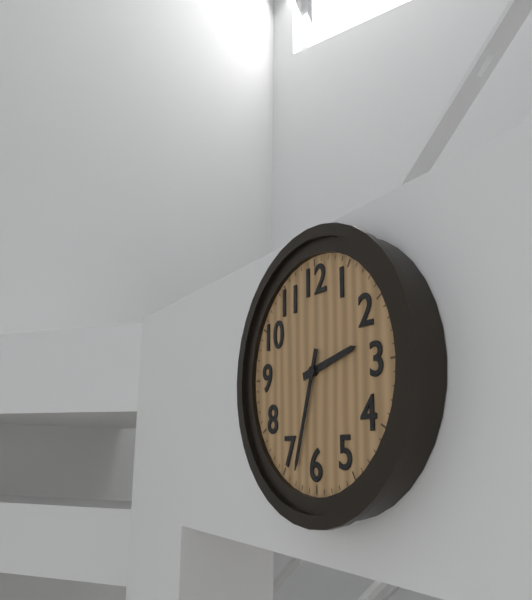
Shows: h=2 m=33
